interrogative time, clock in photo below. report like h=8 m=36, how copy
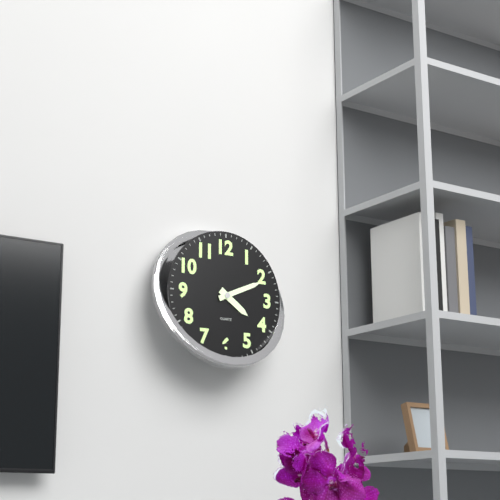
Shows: h=4 m=11
